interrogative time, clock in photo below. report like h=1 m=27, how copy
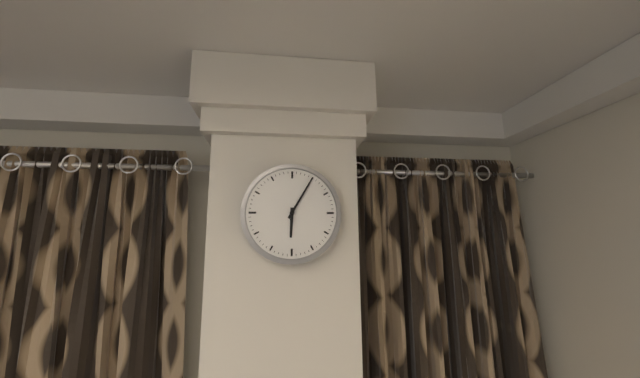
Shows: h=6 m=5
